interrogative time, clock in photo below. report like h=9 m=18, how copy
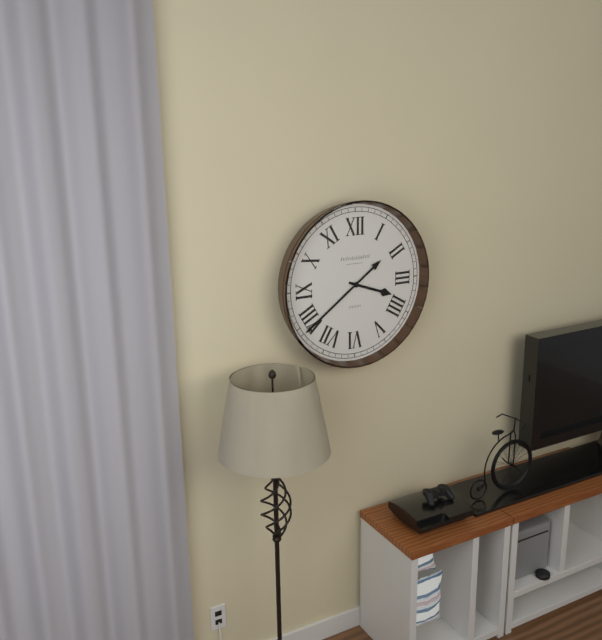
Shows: h=3 m=39
